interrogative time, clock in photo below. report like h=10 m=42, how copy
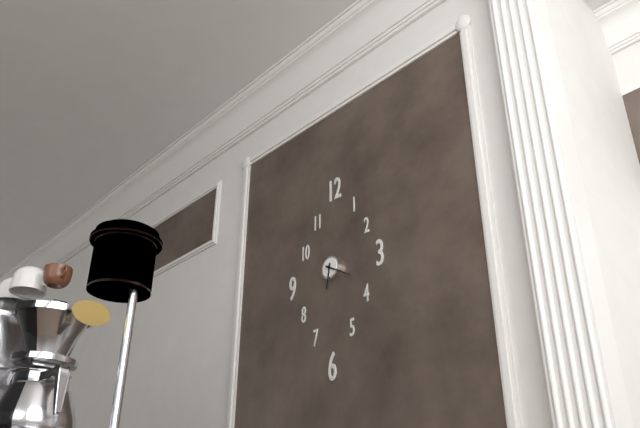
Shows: h=6 m=20
